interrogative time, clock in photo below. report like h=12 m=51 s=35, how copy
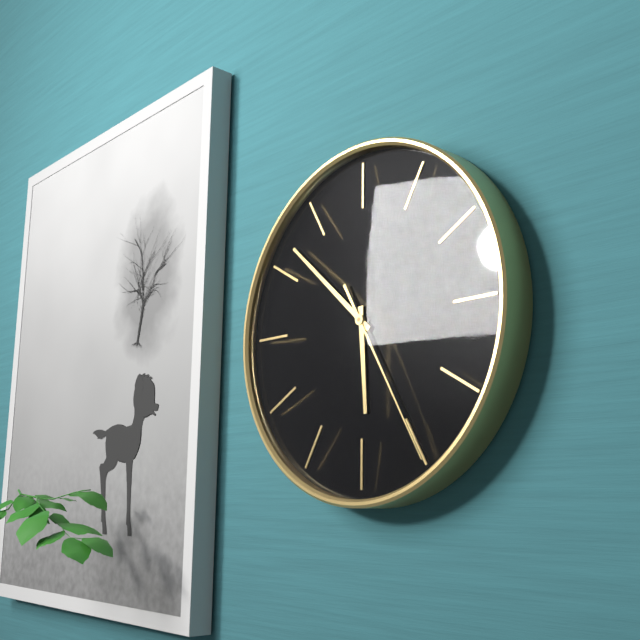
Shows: h=5 m=52 s=25
